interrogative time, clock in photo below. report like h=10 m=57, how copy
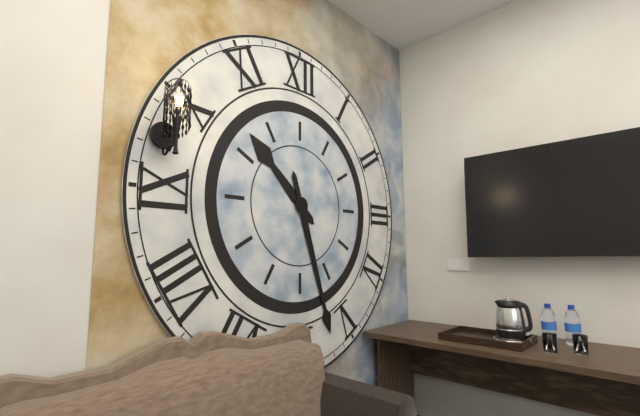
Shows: h=10 m=27
